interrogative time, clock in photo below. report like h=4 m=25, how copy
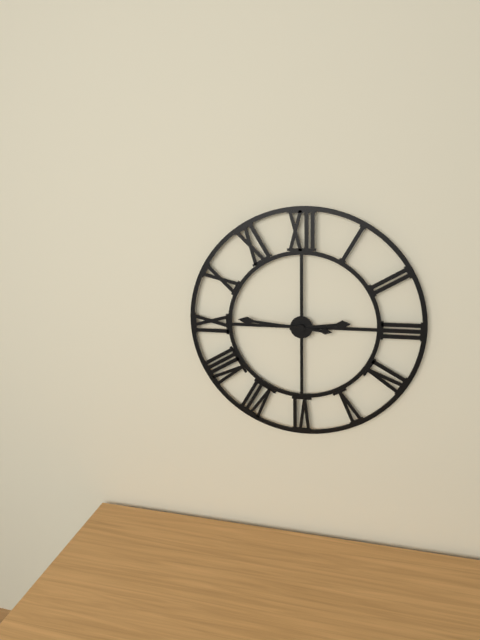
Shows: h=2 m=46
